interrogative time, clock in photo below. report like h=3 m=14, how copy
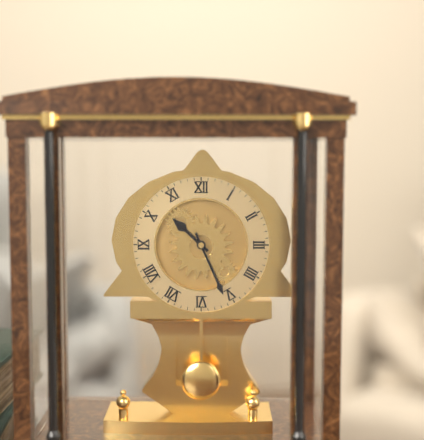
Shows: h=10 m=26
